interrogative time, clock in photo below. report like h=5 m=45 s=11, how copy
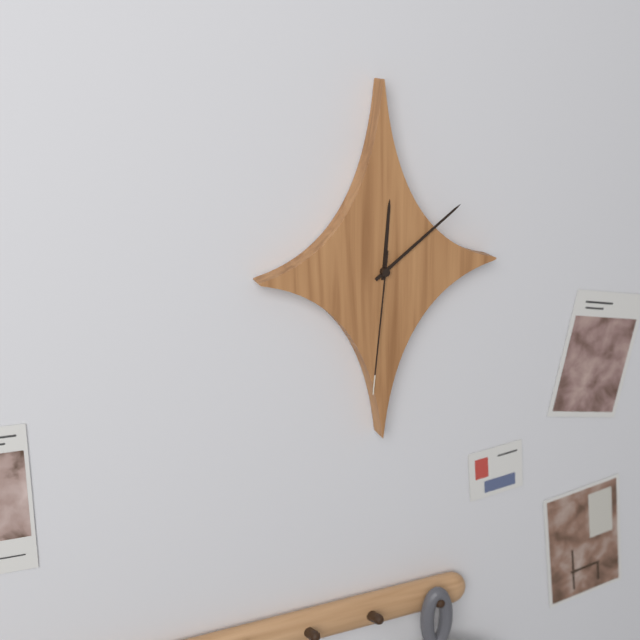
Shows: h=12 m=9 s=31
